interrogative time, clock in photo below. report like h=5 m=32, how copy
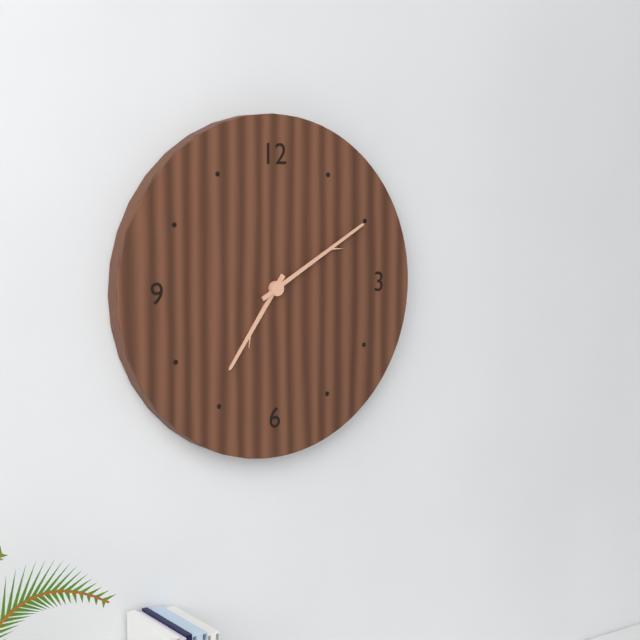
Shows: h=7 m=10
